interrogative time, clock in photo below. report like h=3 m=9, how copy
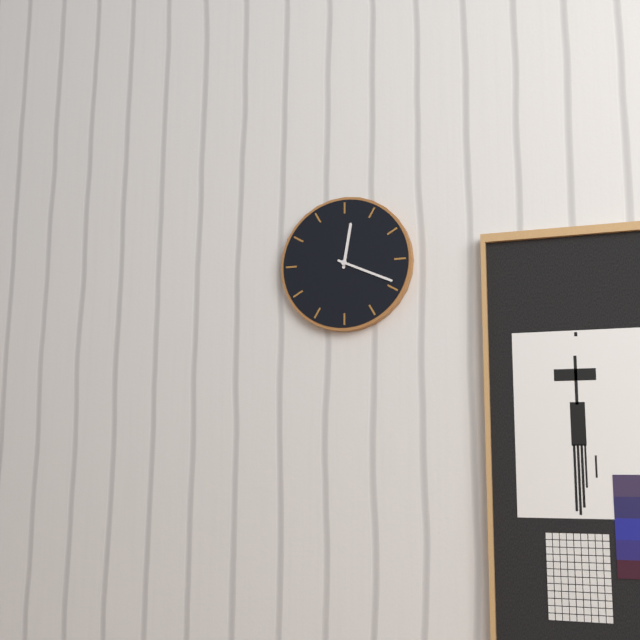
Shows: h=12 m=19
